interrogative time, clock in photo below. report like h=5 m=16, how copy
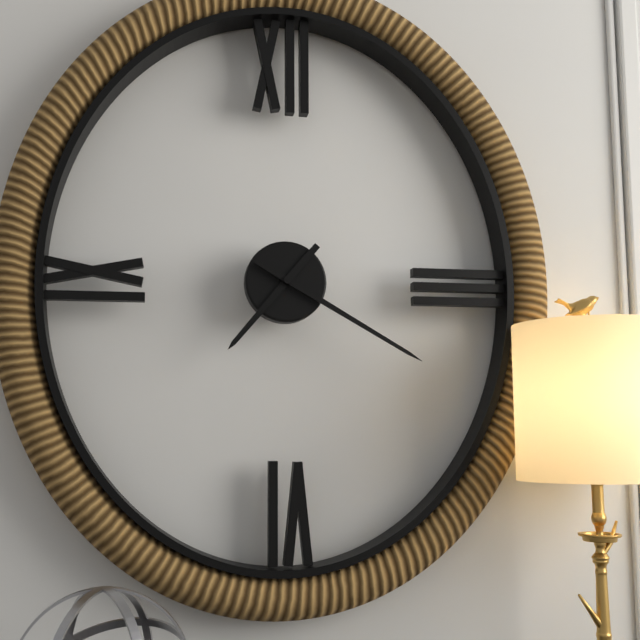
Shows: h=7 m=20
